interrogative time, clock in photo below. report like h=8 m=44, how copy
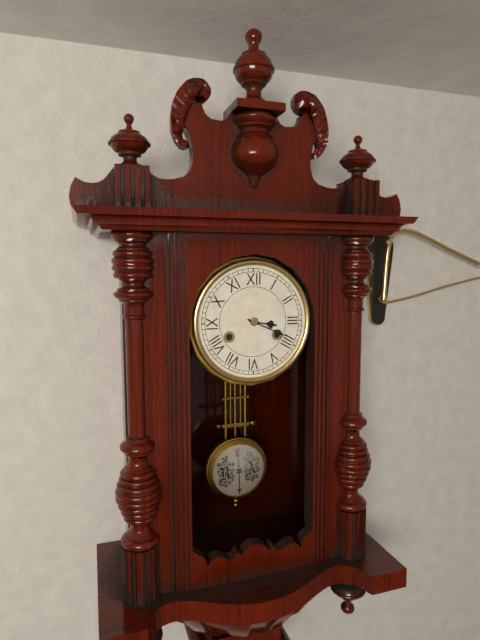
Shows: h=3 m=19
